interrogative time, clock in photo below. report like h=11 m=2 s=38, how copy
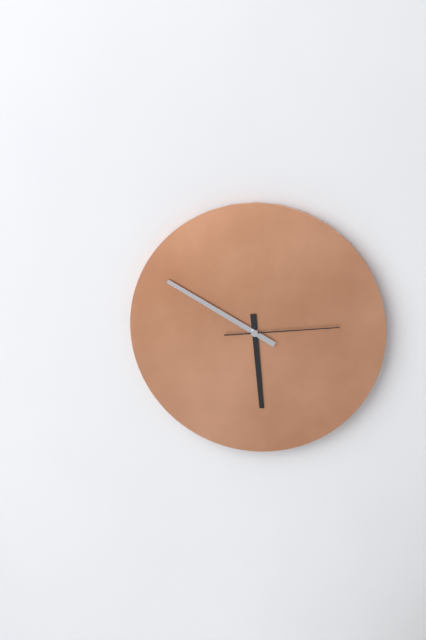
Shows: h=5 m=50 s=14
